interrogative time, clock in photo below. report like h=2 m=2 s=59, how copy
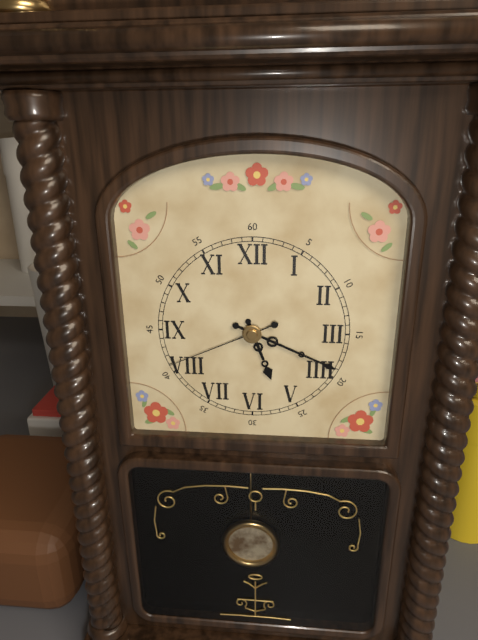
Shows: h=5 m=19 s=41
